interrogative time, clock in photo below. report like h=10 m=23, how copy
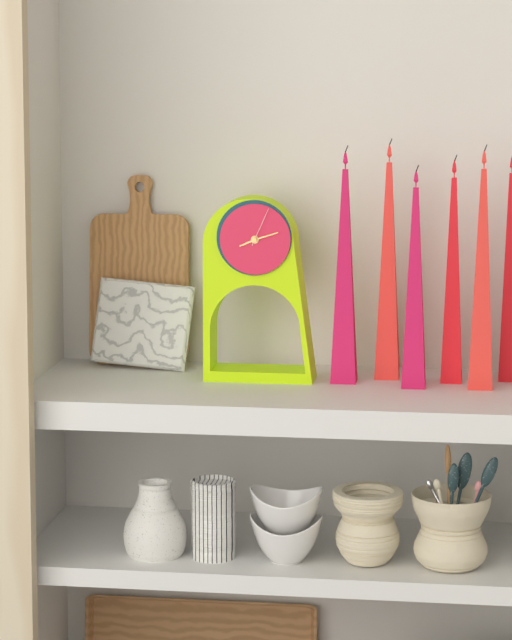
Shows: h=8 m=12
